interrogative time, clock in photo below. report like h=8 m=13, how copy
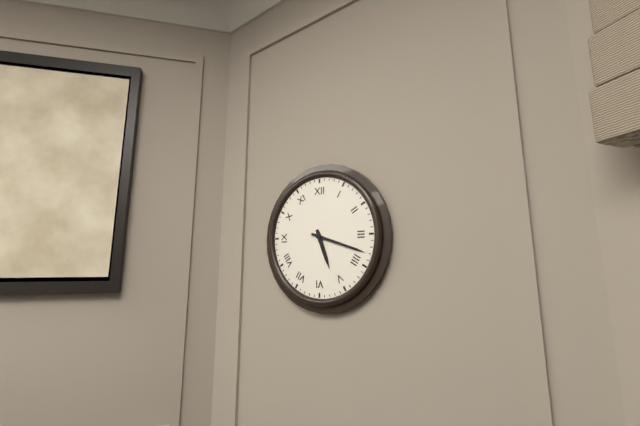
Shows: h=5 m=18
